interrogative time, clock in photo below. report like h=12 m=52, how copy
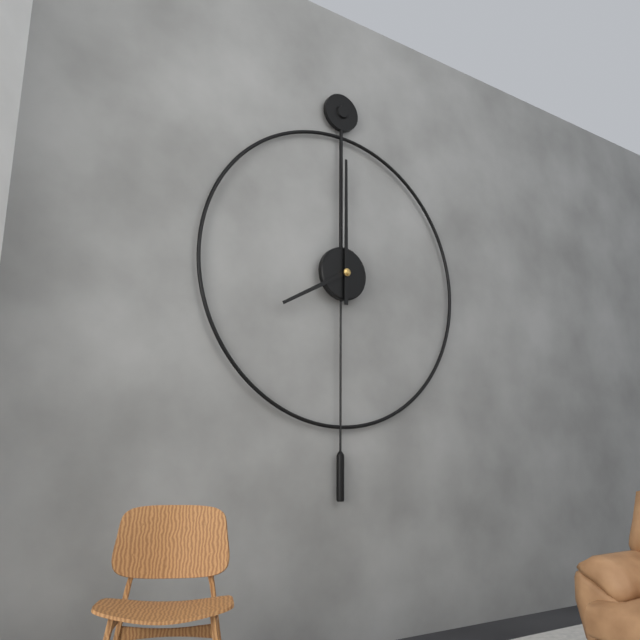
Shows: h=8 m=0
